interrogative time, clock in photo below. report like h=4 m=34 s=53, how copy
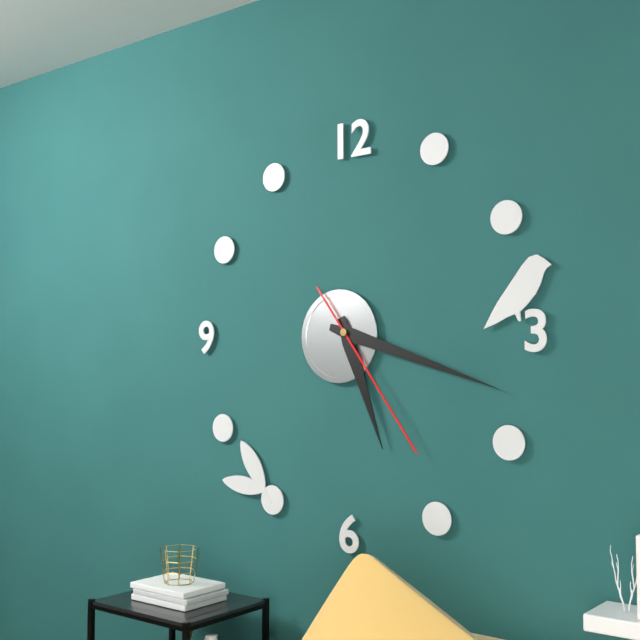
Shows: h=5 m=18 s=24
